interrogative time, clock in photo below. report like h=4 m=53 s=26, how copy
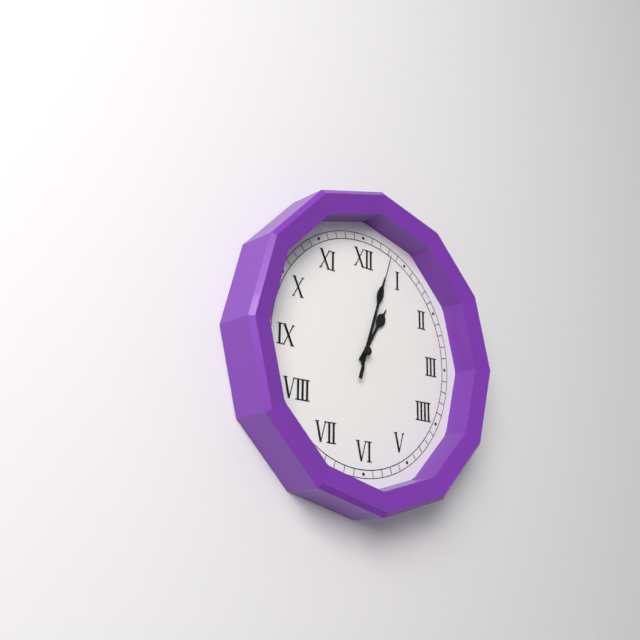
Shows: h=1 m=3 s=3
